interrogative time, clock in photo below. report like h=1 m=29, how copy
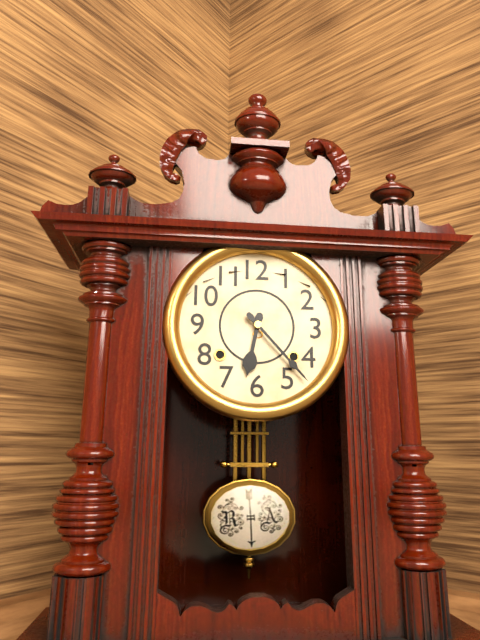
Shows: h=6 m=23
